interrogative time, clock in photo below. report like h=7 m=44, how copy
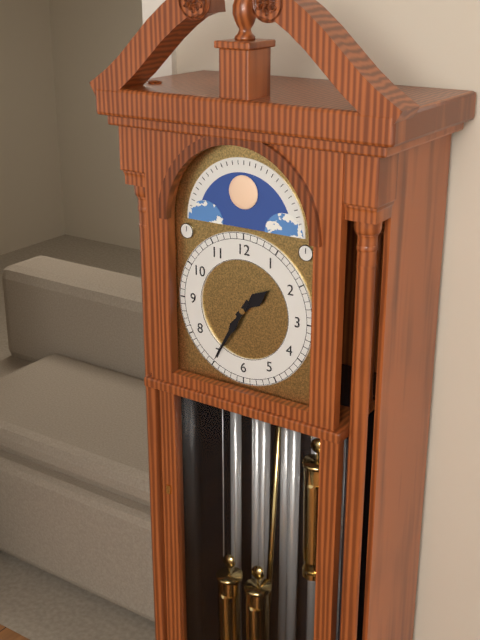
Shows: h=1 m=35
